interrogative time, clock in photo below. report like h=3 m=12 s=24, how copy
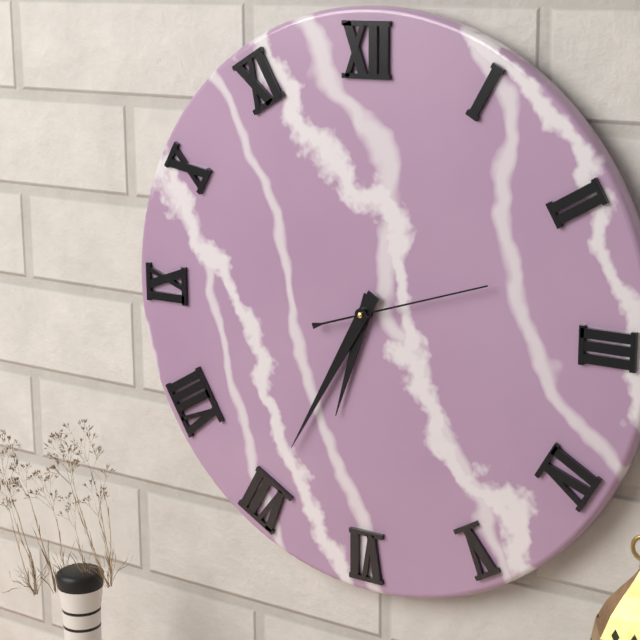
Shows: h=6 m=35 s=12
